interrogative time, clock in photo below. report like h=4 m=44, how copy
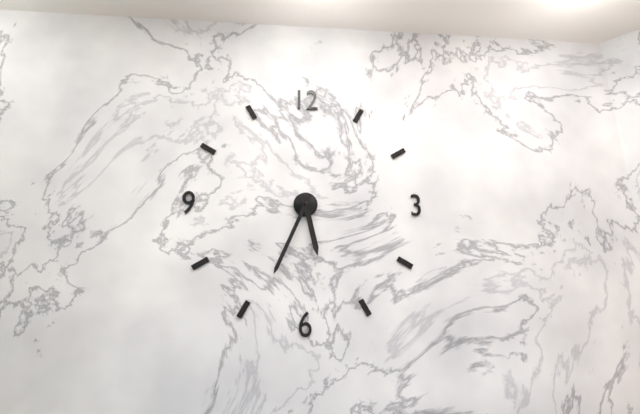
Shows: h=5 m=34
